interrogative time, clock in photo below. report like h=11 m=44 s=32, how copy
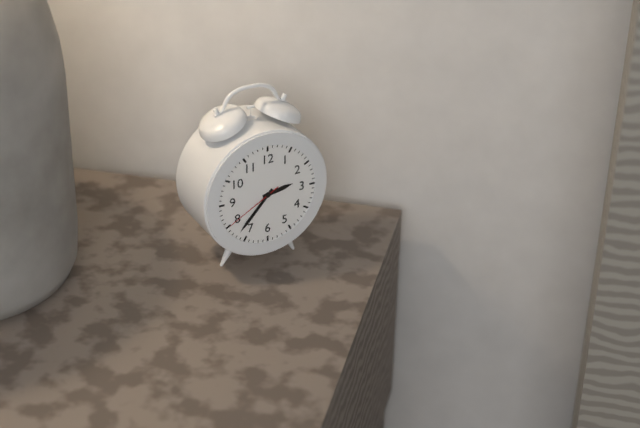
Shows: h=2 m=37 s=40
